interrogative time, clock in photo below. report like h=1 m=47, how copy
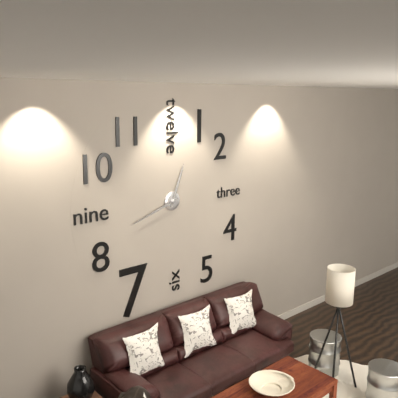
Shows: h=12 m=42
